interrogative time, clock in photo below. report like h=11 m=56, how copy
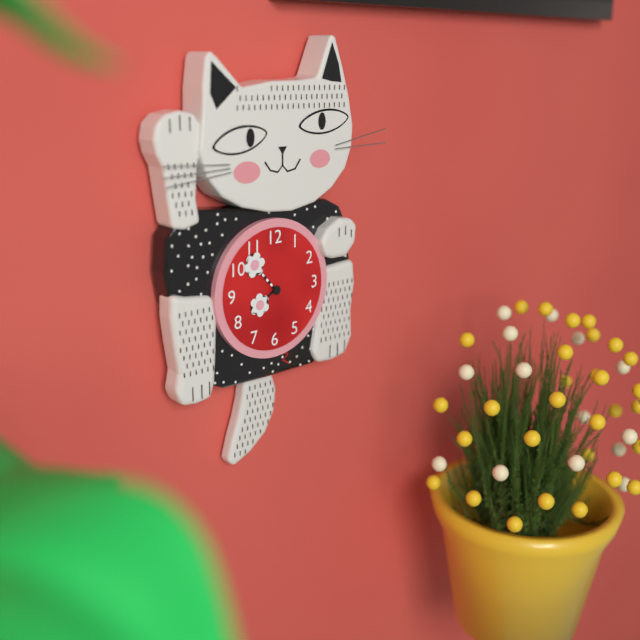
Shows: h=7 m=53
